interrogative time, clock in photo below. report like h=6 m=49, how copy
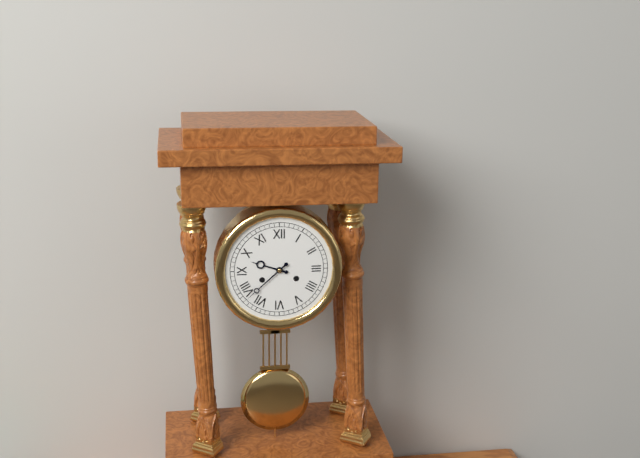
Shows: h=9 m=38
